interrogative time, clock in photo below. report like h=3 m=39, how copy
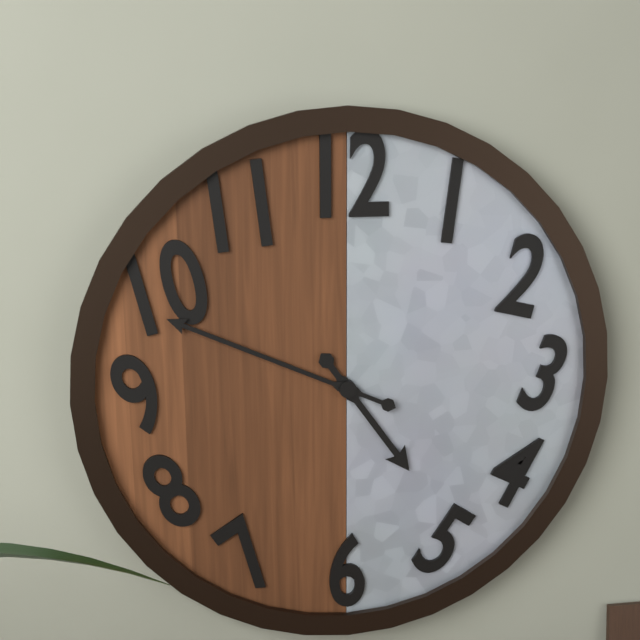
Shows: h=4 m=49
